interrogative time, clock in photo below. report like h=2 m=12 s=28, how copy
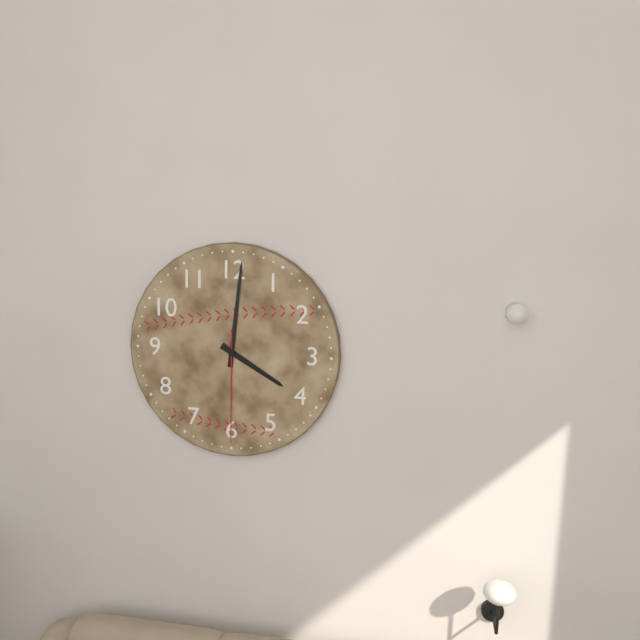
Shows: h=4 m=1 s=30
